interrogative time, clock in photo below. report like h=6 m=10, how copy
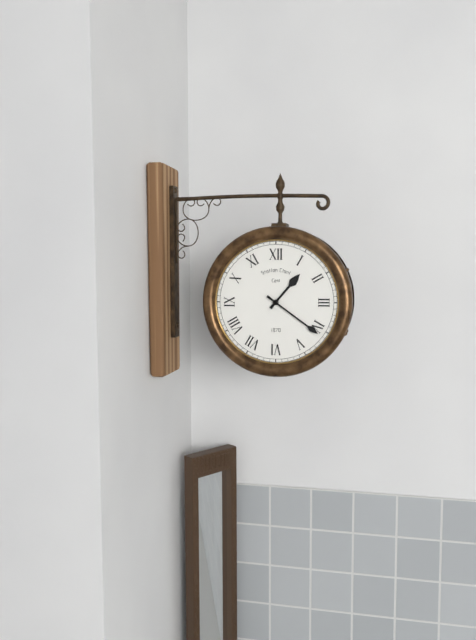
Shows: h=1 m=21
